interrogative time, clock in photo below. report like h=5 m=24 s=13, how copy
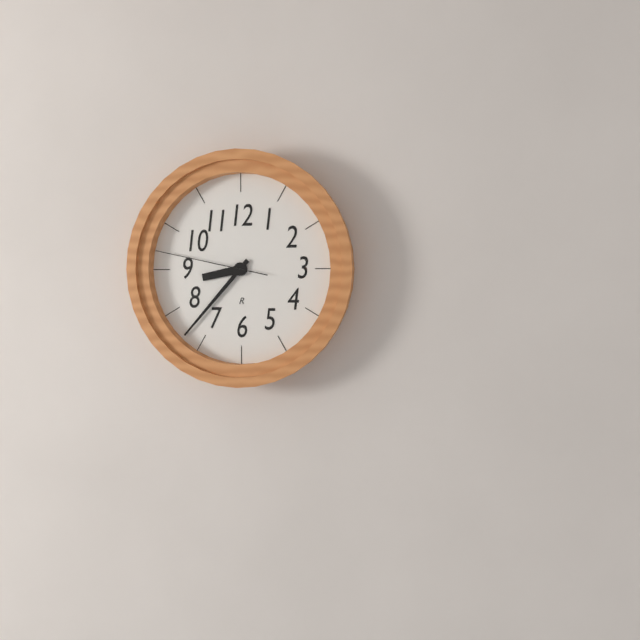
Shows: h=8 m=37 s=47
